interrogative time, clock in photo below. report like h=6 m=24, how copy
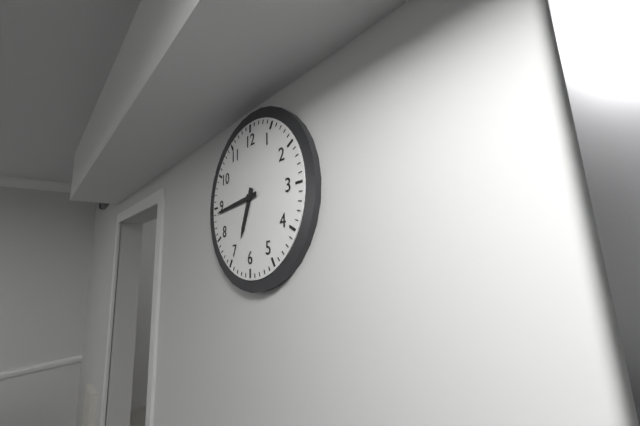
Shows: h=6 m=44
